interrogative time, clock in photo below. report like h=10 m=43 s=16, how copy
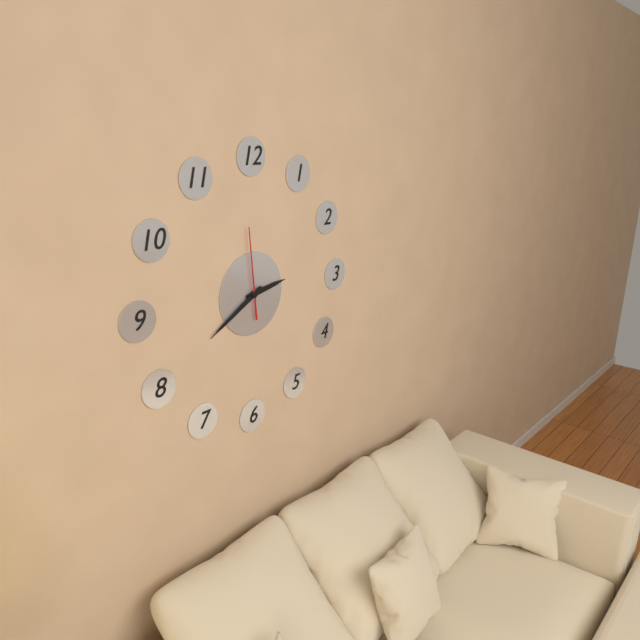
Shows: h=2 m=40 s=59
